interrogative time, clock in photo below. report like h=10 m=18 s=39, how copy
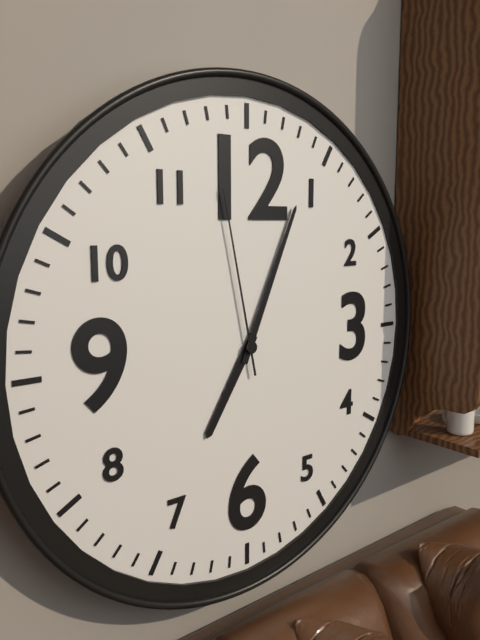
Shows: h=7 m=4 s=58
